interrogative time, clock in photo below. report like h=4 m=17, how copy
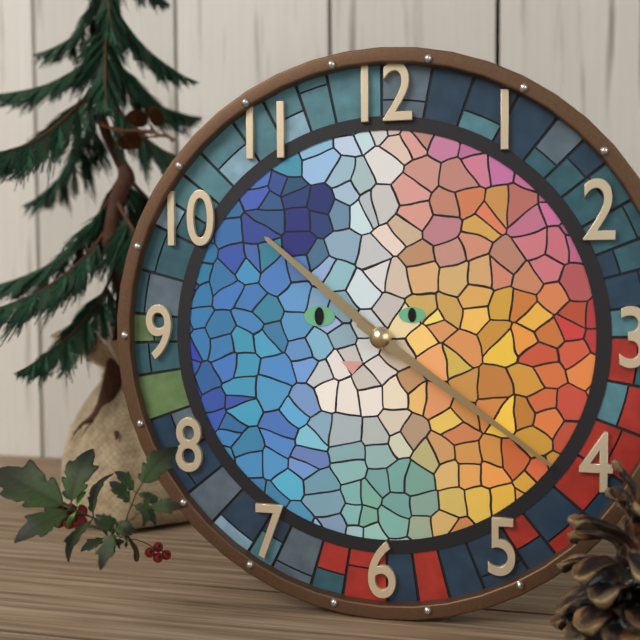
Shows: h=10 m=21
